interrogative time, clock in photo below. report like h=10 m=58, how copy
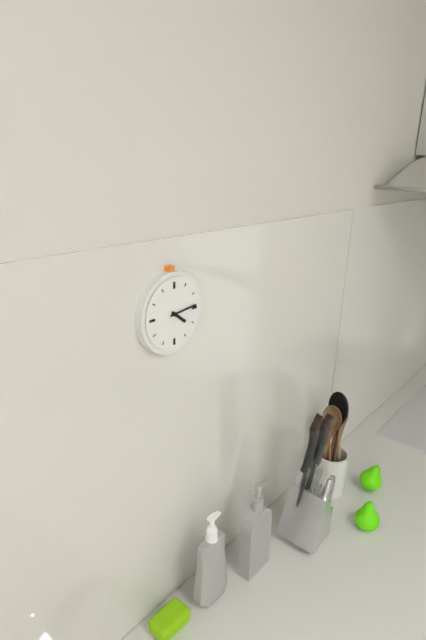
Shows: h=4 m=14
